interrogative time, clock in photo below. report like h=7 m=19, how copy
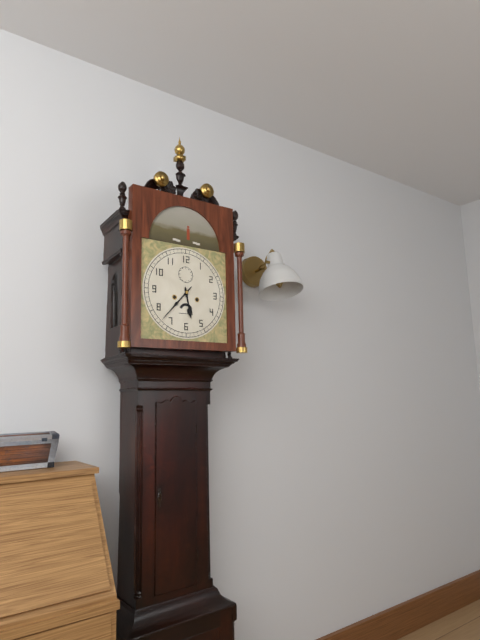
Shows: h=5 m=37
